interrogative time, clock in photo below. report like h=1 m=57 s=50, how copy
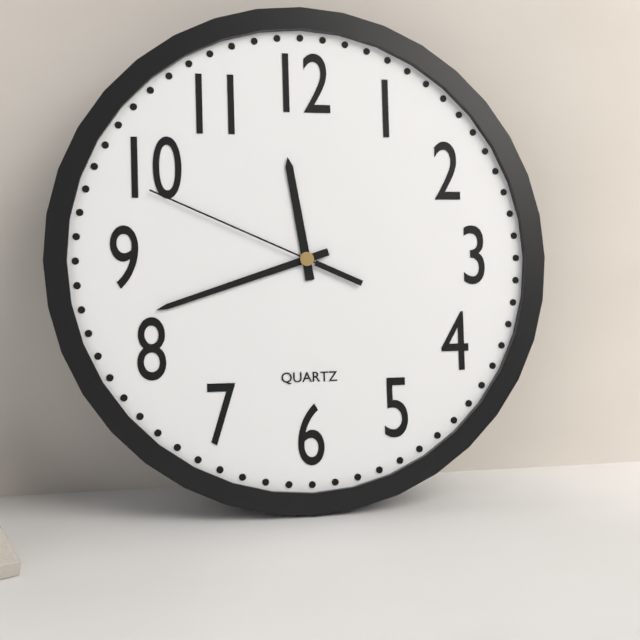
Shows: h=11 m=42 s=49
